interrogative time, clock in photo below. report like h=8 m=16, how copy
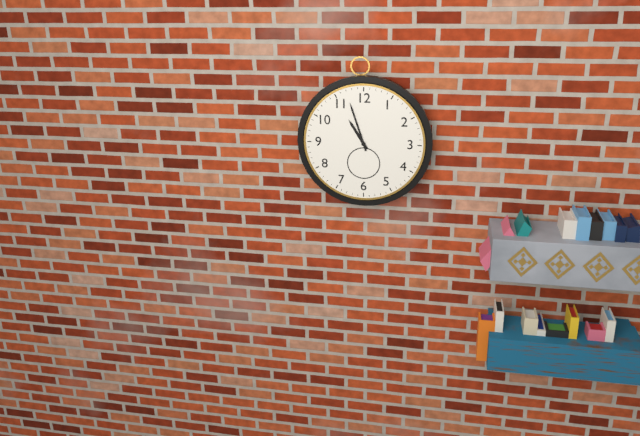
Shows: h=10 m=57
